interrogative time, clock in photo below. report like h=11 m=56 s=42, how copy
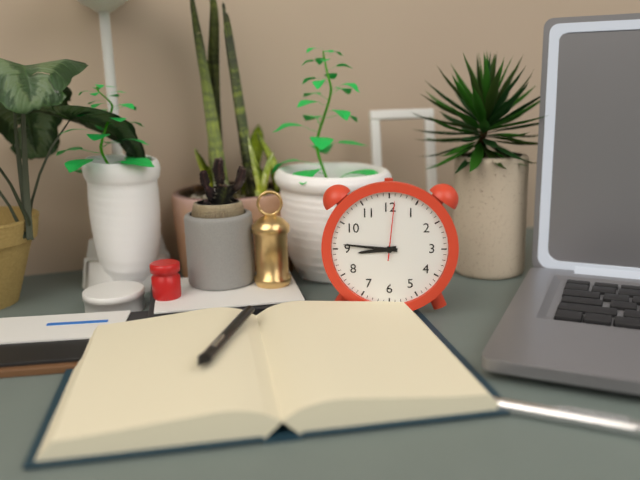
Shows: h=8 m=46 s=1
